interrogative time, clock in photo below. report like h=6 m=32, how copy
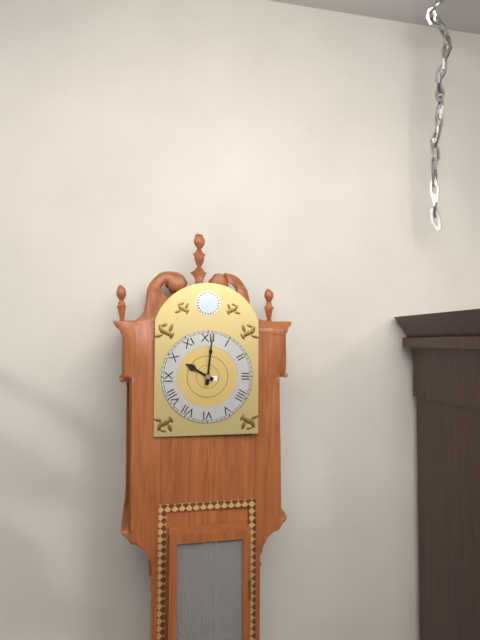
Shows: h=10 m=1
